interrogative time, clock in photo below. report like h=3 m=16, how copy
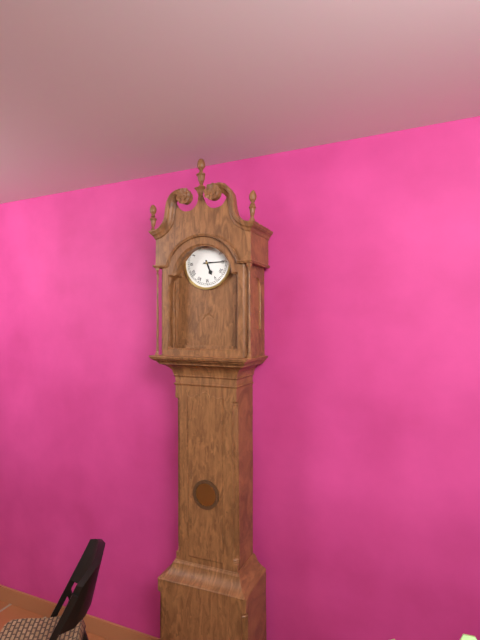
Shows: h=5 m=15
